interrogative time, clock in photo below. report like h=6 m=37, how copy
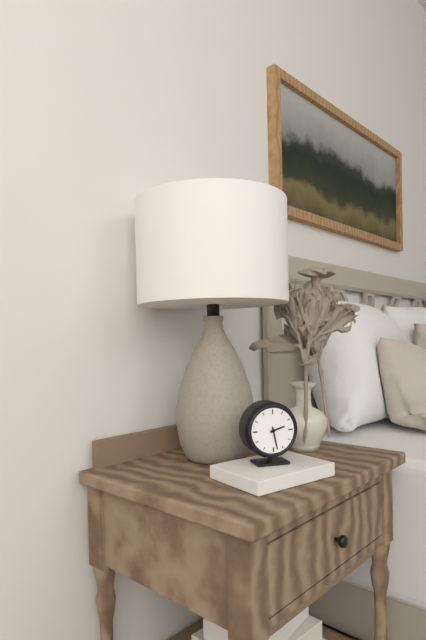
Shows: h=2 m=28
